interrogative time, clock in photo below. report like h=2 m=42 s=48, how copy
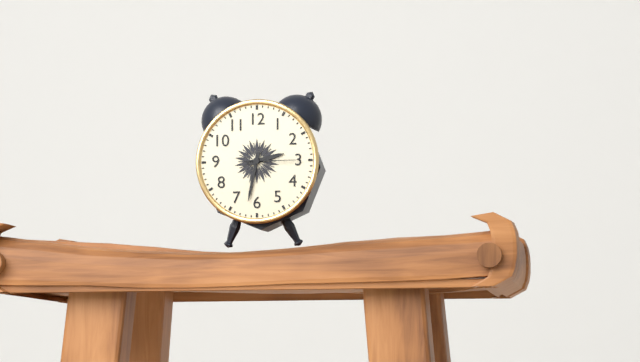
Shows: h=2 m=32 s=15
